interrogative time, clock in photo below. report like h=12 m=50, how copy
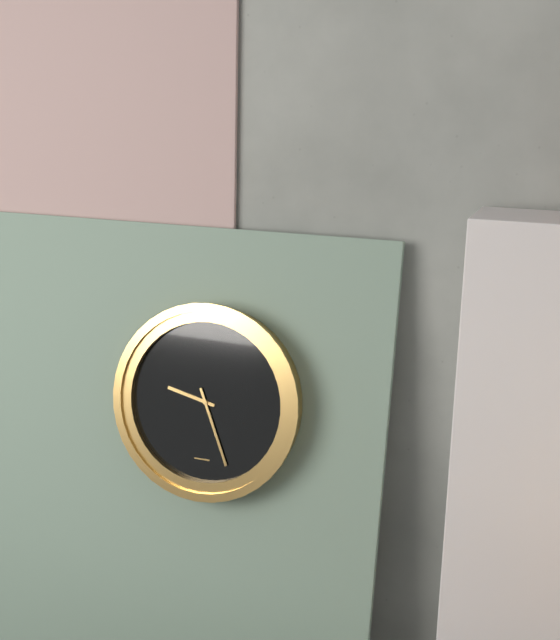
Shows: h=9 m=26
